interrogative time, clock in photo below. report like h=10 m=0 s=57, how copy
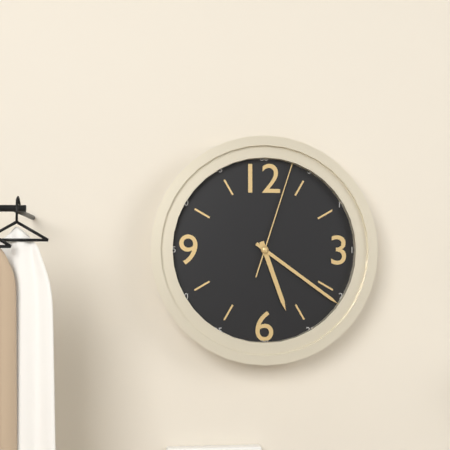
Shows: h=5 m=21 s=3
